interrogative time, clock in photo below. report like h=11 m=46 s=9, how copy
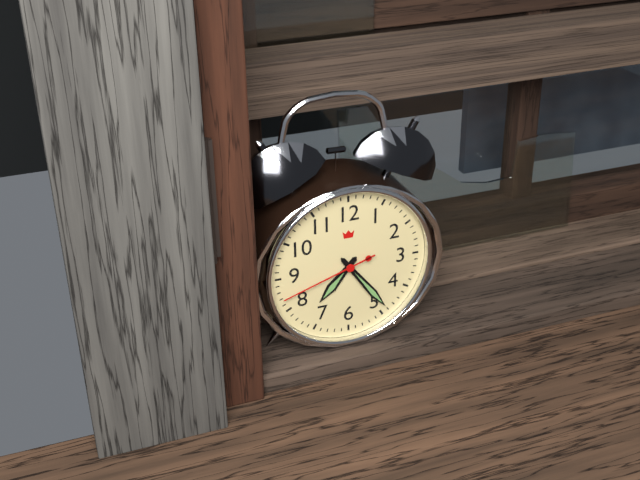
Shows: h=7 m=24 s=42
